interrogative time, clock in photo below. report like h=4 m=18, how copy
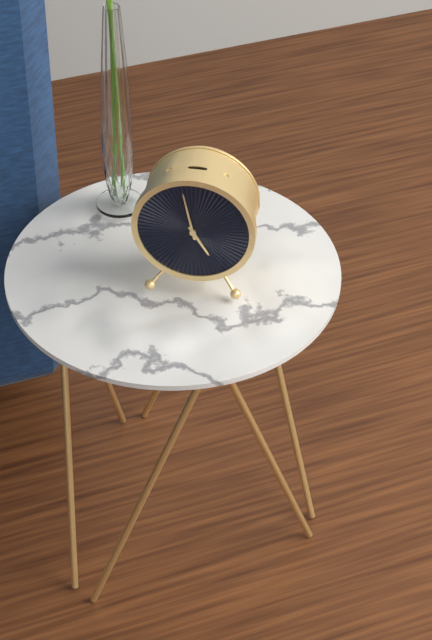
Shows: h=4 m=58
